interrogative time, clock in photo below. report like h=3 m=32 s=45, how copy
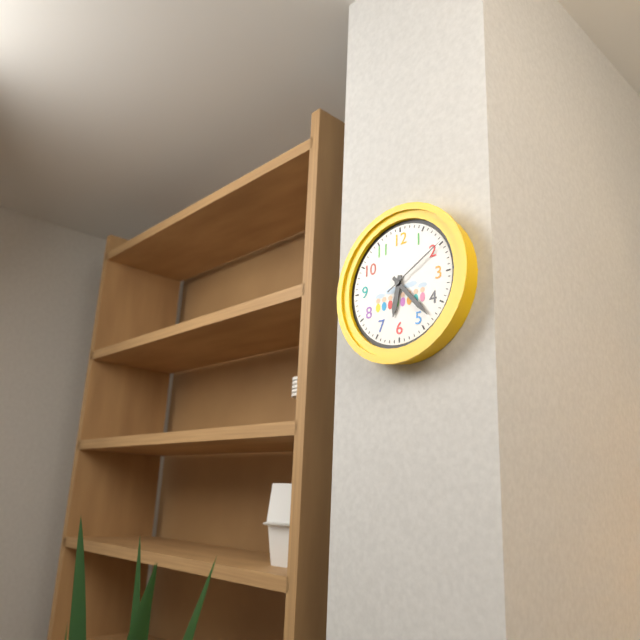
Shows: h=6 m=23 s=10
